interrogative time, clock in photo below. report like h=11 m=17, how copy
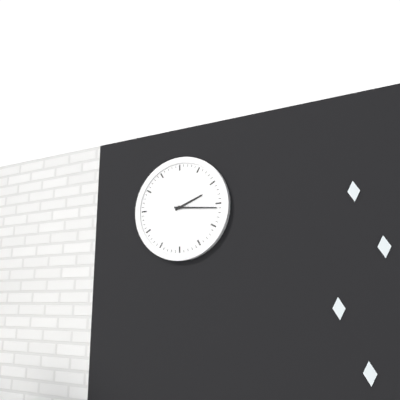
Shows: h=2 m=16
